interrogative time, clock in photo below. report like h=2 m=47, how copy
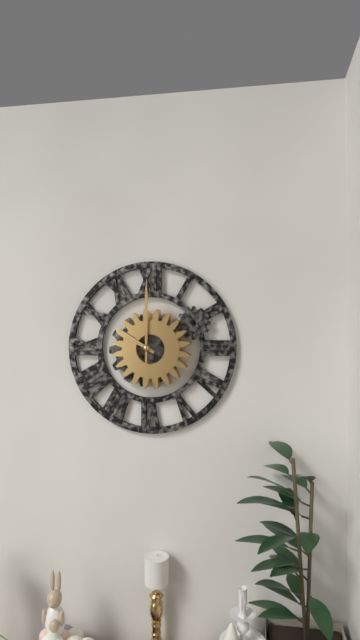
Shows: h=10 m=0
